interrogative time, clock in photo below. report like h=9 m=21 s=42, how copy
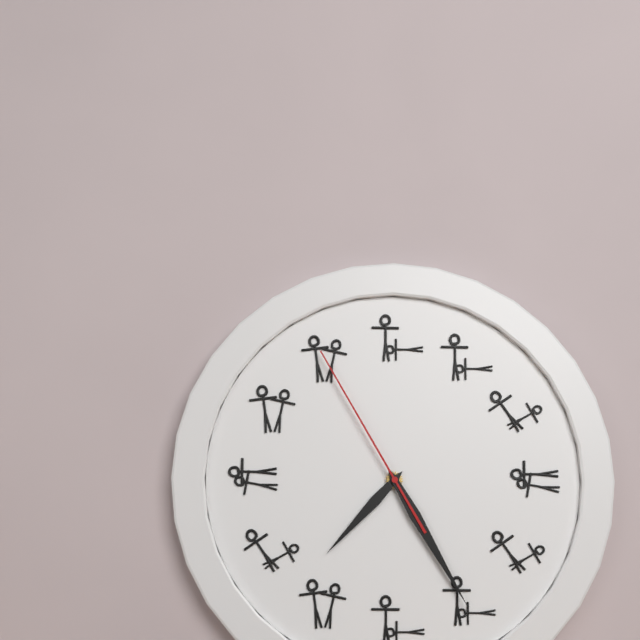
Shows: h=7 m=25 s=55
